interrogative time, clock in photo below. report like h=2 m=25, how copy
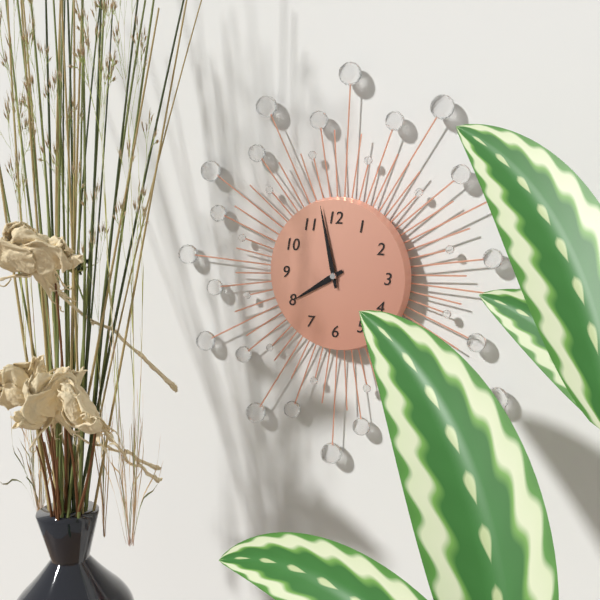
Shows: h=7 m=58
